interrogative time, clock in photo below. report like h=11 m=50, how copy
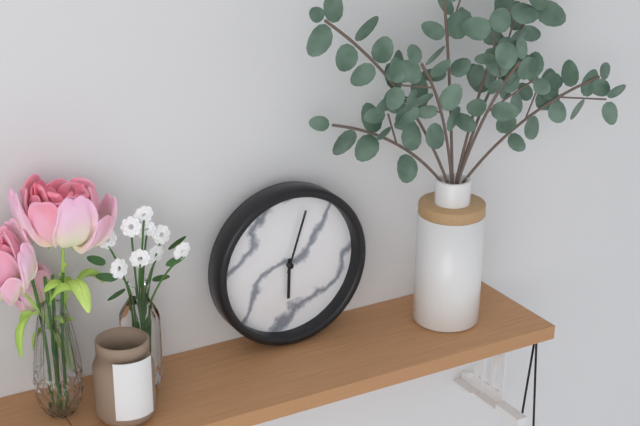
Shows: h=6 m=3
